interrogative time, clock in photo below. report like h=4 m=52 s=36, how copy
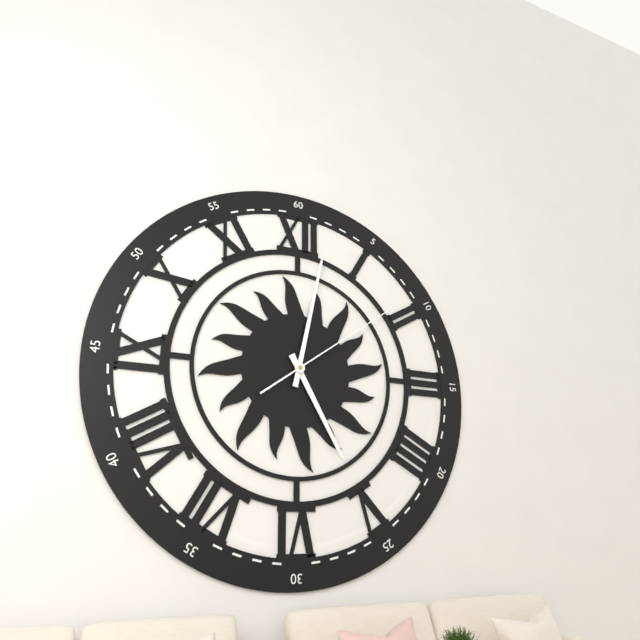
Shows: h=5 m=2 s=9
